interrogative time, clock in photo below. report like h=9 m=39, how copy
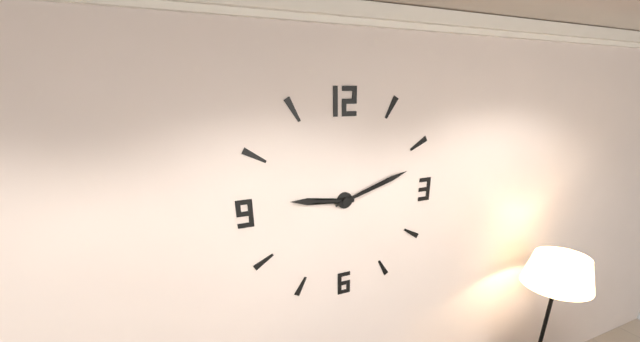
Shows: h=9 m=12
